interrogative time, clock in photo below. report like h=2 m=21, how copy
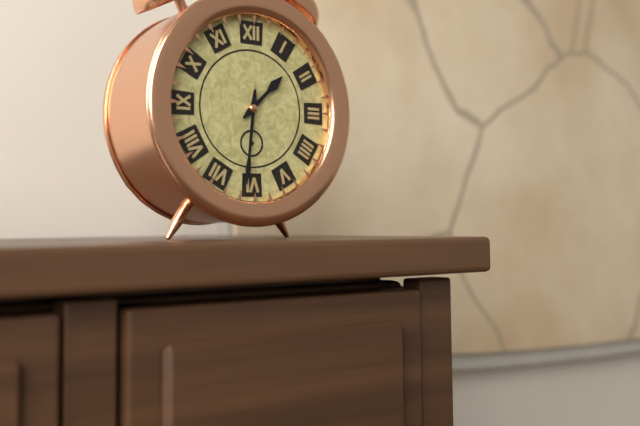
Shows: h=1 m=31
